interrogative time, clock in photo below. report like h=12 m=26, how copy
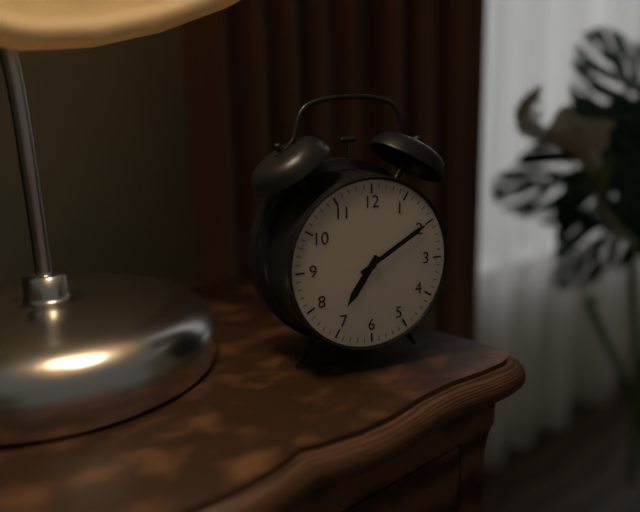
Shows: h=7 m=10
